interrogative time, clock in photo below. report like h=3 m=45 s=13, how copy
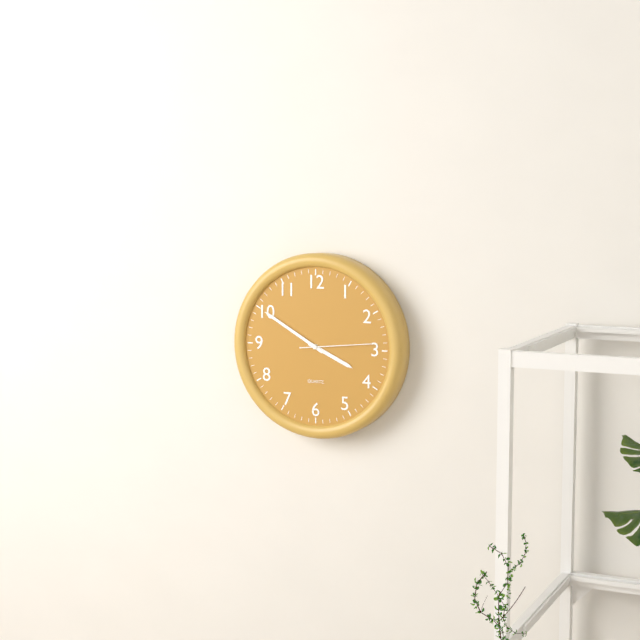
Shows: h=3 m=50 s=14
